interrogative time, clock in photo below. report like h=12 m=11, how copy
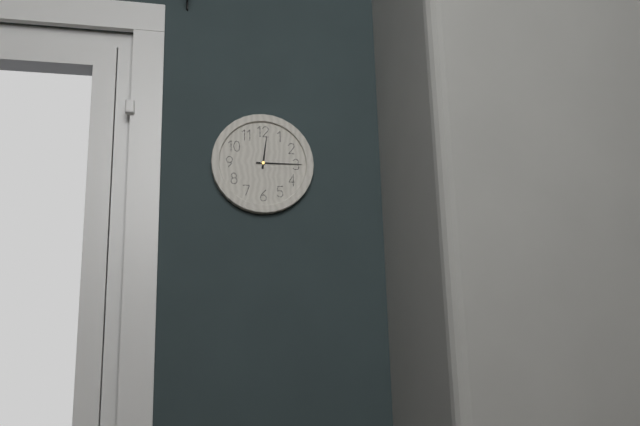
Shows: h=12 m=15
